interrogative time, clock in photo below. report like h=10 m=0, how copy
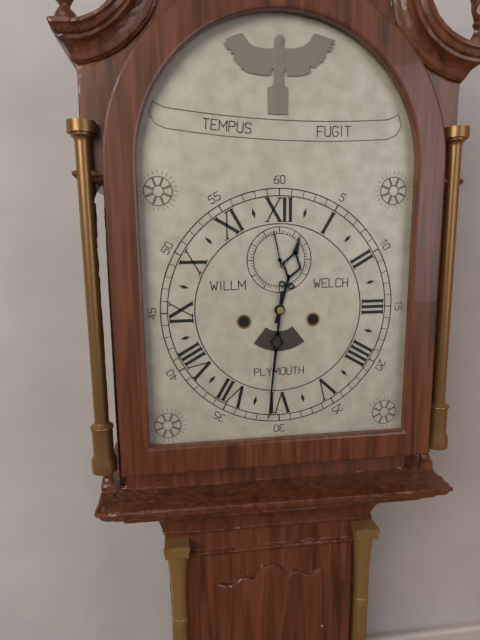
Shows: h=12 m=31
